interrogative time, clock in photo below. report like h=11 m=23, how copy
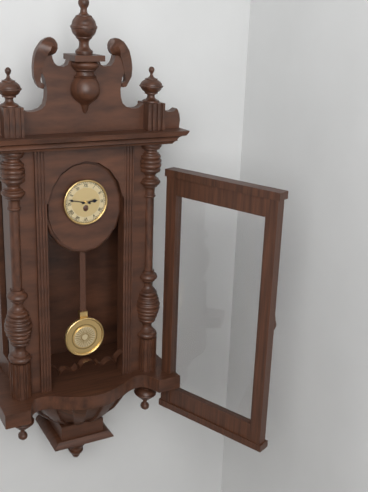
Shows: h=2 m=47
